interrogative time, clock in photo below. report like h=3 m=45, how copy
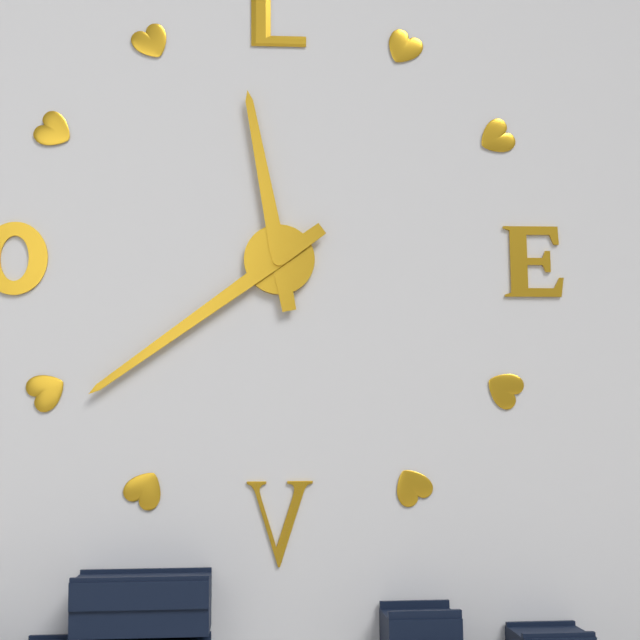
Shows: h=11 m=39
